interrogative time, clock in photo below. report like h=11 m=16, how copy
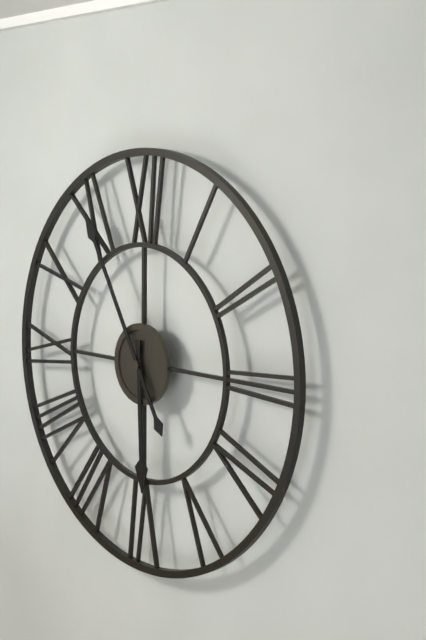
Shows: h=5 m=55
